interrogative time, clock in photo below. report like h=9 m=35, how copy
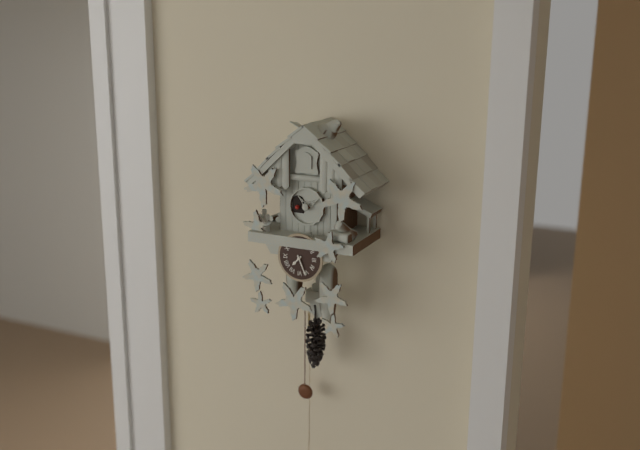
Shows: h=7 m=26
